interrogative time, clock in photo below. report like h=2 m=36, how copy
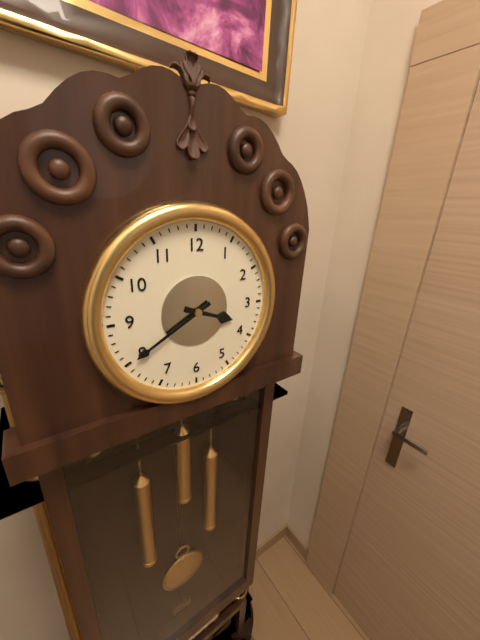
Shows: h=3 m=40
